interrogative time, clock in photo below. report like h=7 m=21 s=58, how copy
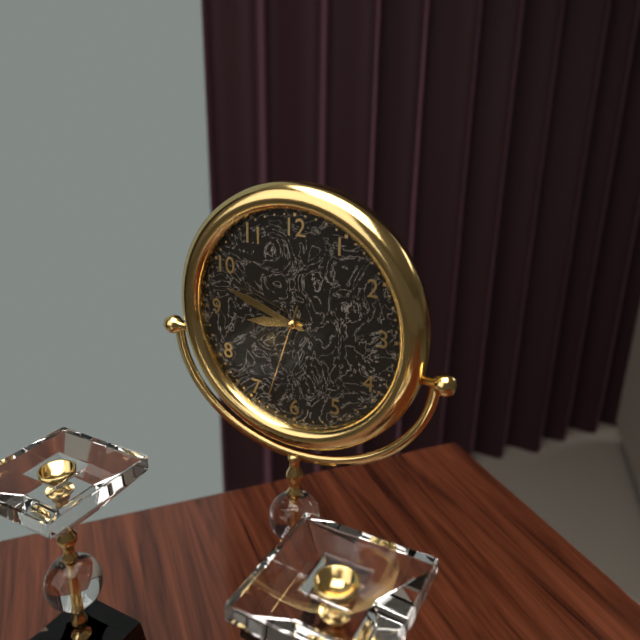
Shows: h=8 m=48 s=33
